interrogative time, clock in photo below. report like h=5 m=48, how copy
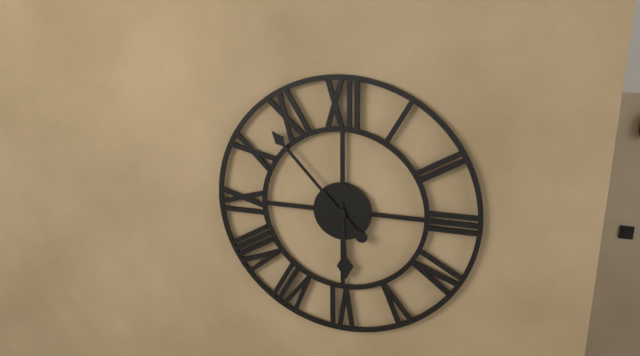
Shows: h=5 m=53
